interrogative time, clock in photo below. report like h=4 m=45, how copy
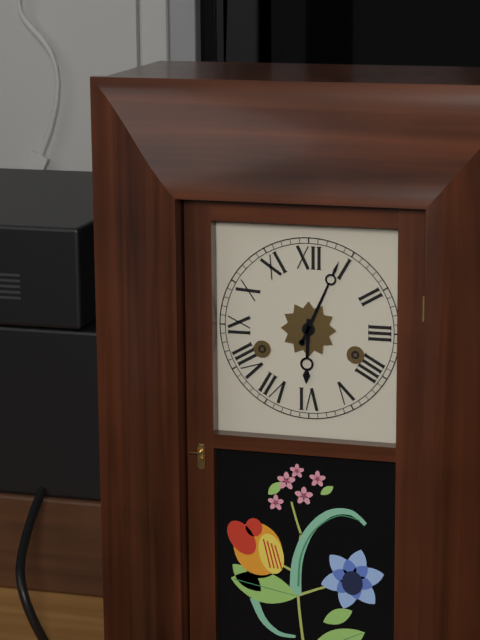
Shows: h=6 m=4
